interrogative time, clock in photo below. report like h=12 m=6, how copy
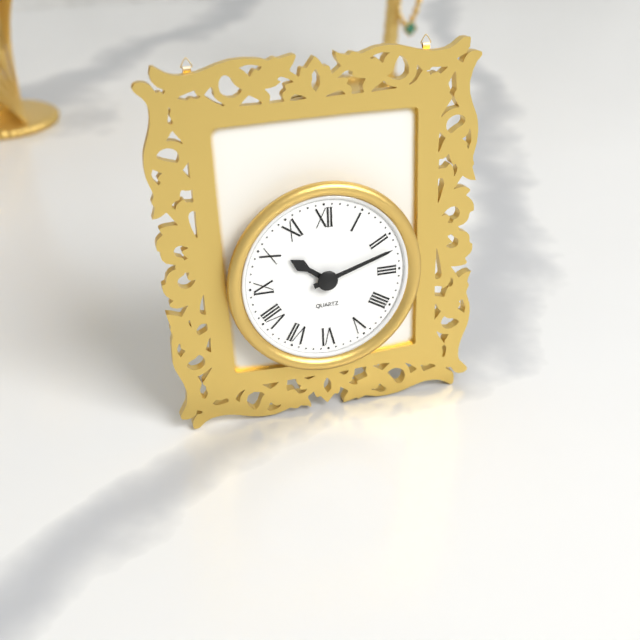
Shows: h=10 m=12
